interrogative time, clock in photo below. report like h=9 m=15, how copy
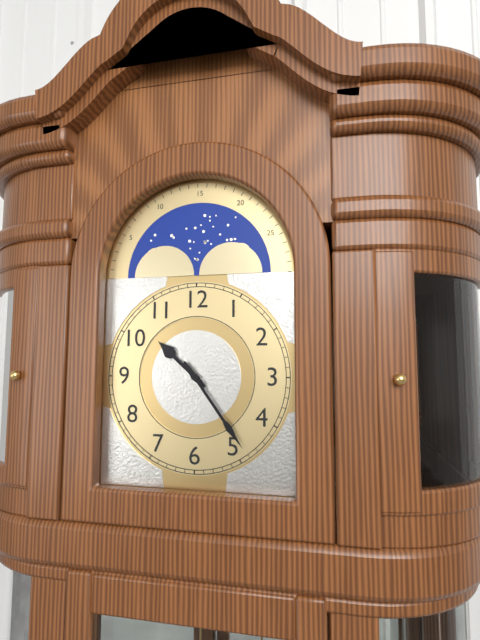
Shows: h=10 m=24
